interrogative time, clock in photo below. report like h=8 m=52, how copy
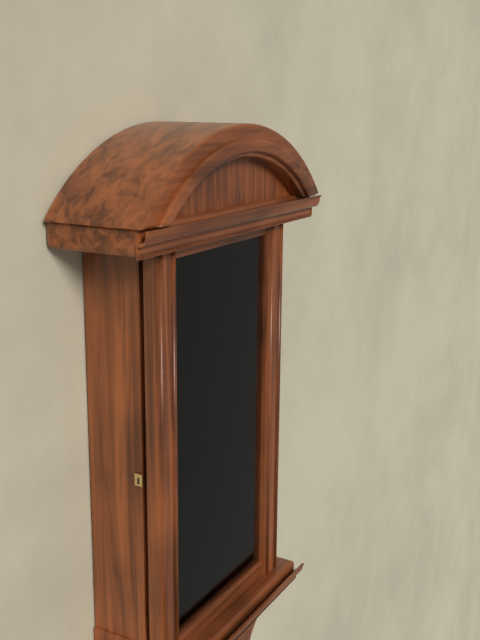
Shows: h=4 m=34
